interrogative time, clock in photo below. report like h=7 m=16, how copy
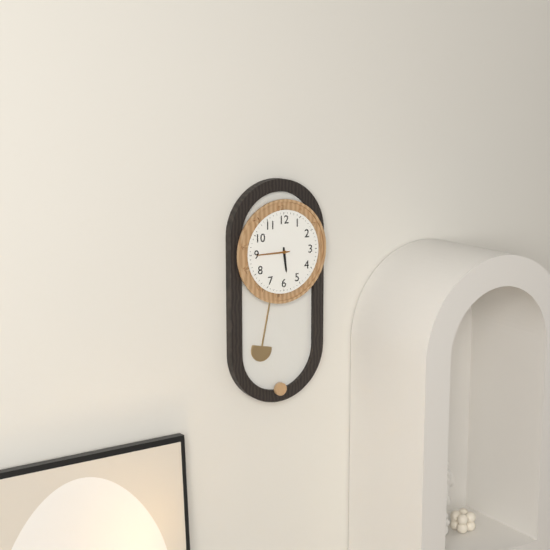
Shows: h=5 m=45
